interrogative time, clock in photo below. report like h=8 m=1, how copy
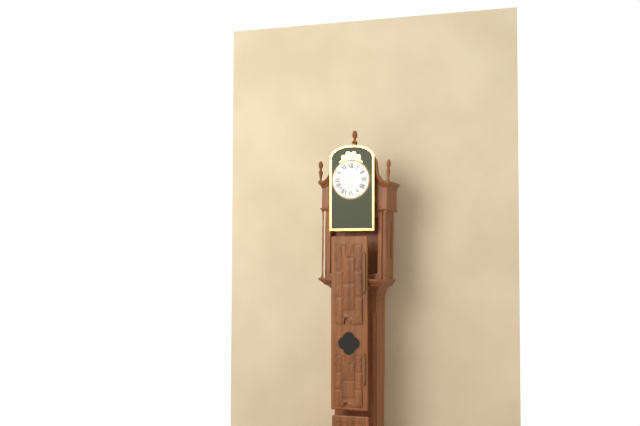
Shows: h=7 m=47
